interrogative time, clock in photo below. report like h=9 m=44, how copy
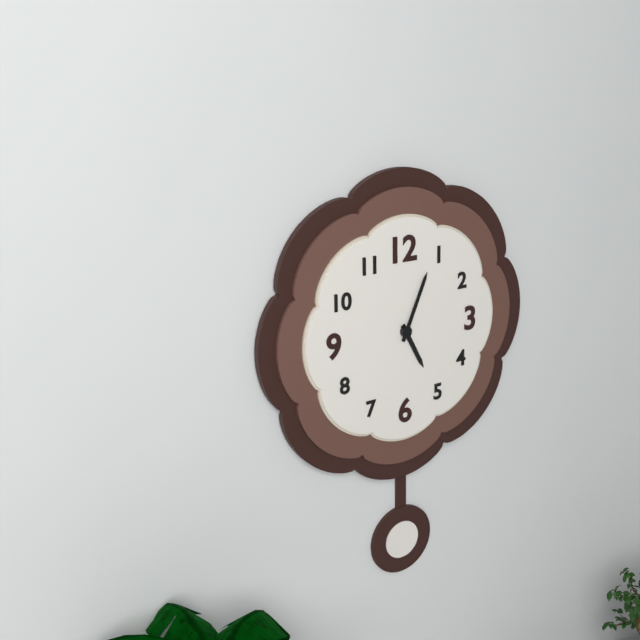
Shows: h=5 m=4
